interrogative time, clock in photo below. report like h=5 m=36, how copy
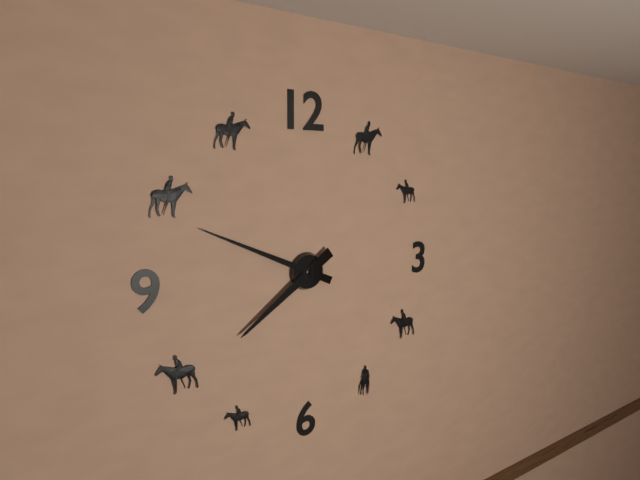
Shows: h=7 m=49
